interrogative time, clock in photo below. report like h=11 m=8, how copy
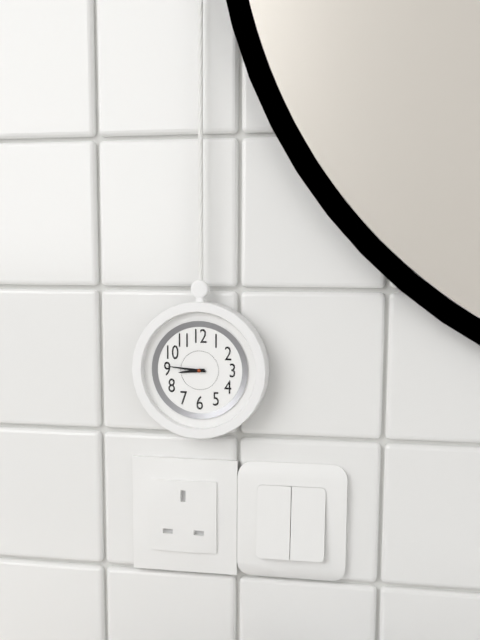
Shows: h=8 m=46
